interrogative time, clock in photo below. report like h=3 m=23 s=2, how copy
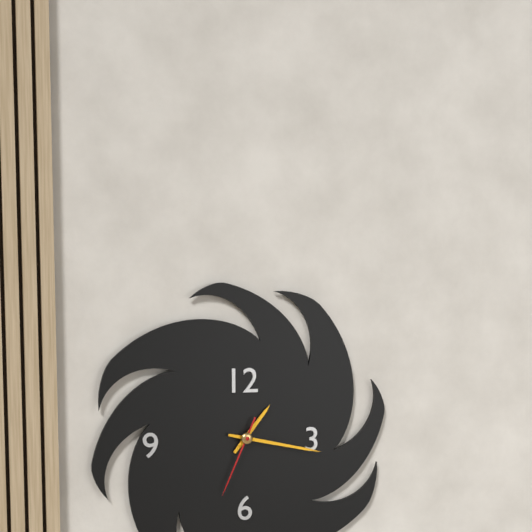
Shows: h=1 m=17 s=34
